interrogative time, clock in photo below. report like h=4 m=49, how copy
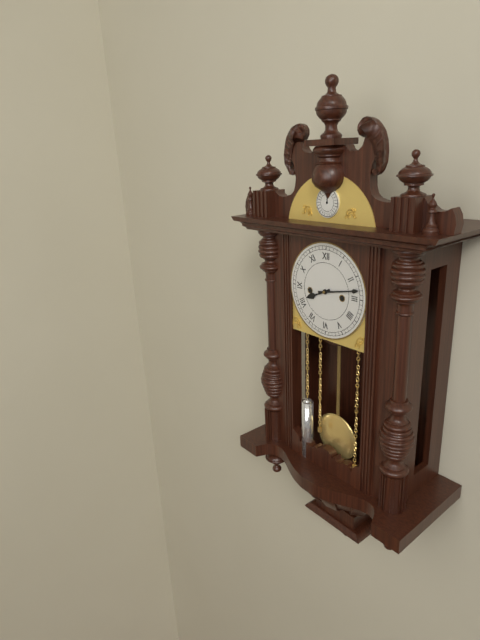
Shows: h=8 m=13
